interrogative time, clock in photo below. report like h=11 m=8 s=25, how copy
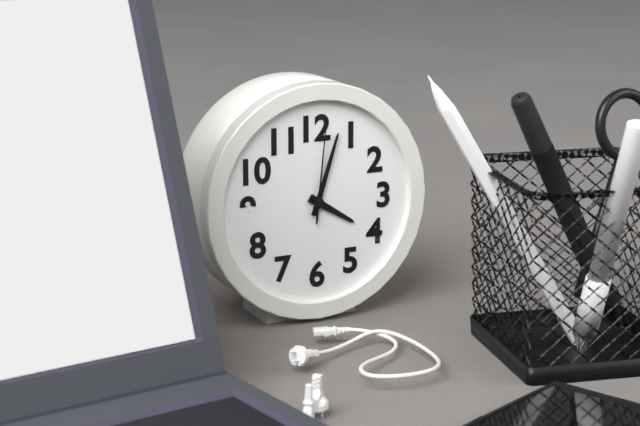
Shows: h=4 m=3 s=1
